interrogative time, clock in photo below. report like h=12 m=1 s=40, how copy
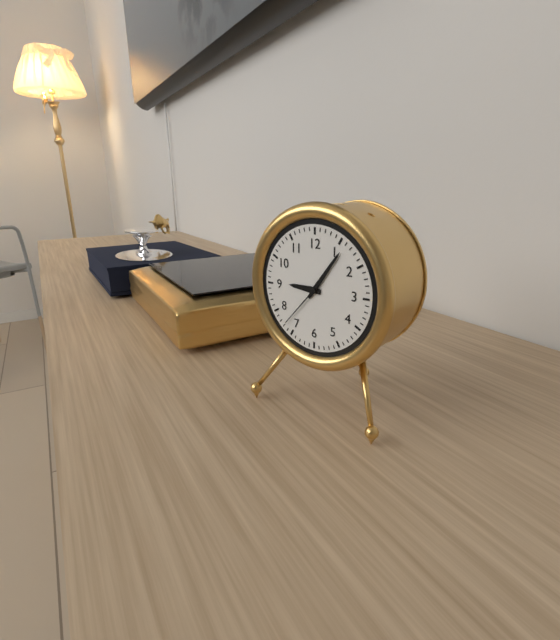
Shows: h=9 m=6 s=37
